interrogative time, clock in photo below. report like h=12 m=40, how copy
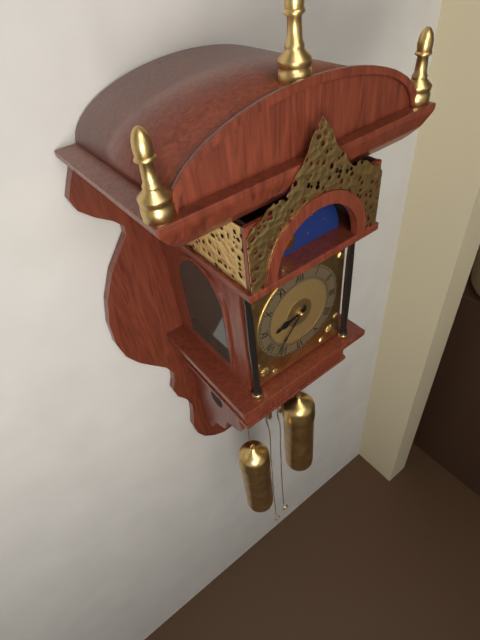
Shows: h=8 m=37
